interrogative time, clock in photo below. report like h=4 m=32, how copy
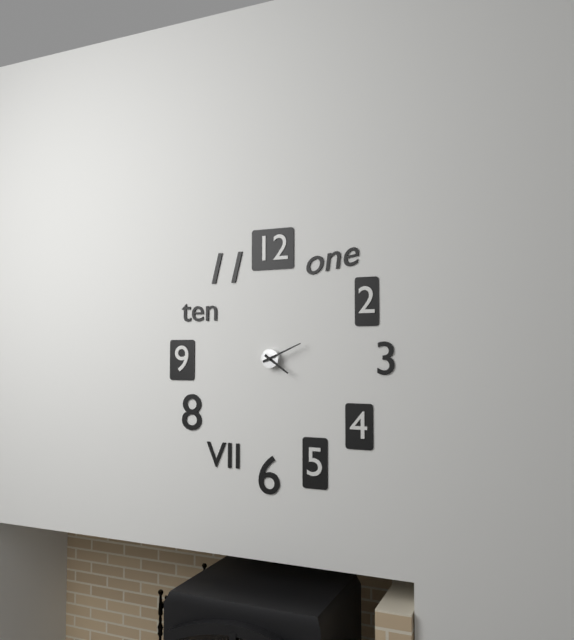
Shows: h=4 m=11
